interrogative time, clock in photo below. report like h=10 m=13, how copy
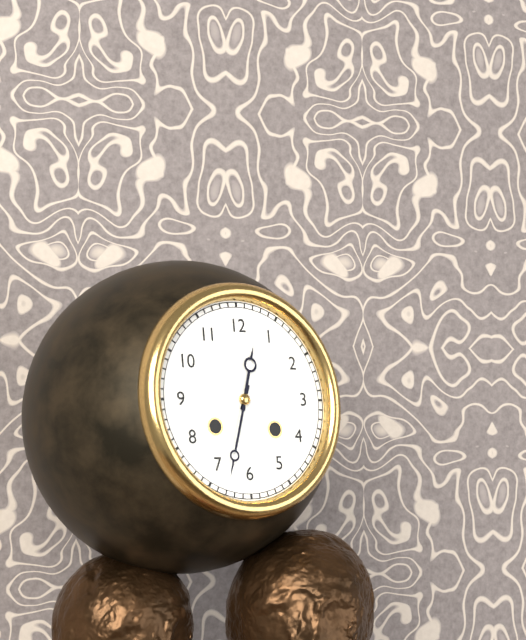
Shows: h=12 m=33
